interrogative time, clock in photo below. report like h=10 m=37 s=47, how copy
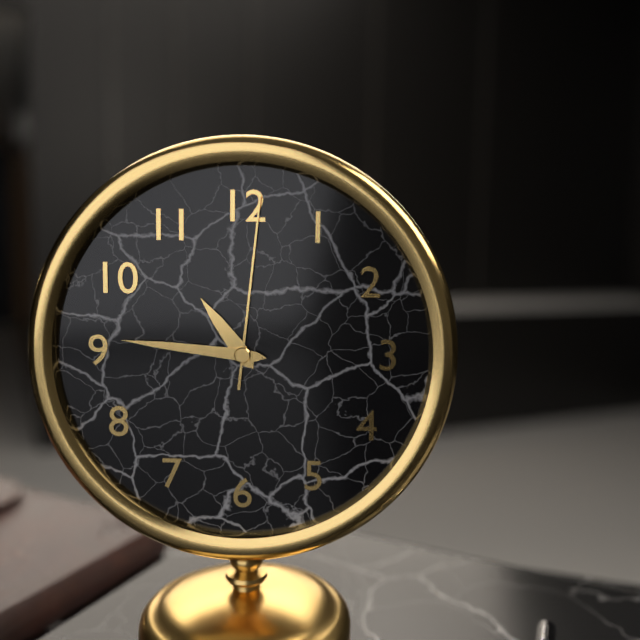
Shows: h=10 m=46 s=1
